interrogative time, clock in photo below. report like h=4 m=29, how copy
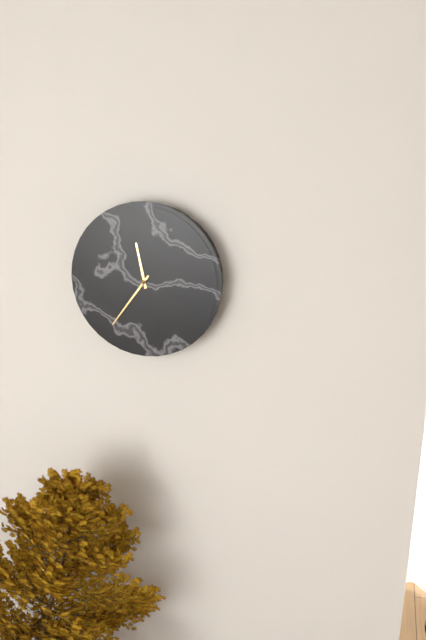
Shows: h=11 m=36
